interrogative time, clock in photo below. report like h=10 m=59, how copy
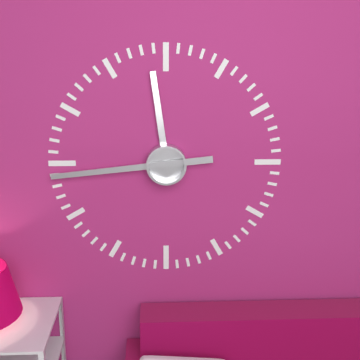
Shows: h=11 m=44
